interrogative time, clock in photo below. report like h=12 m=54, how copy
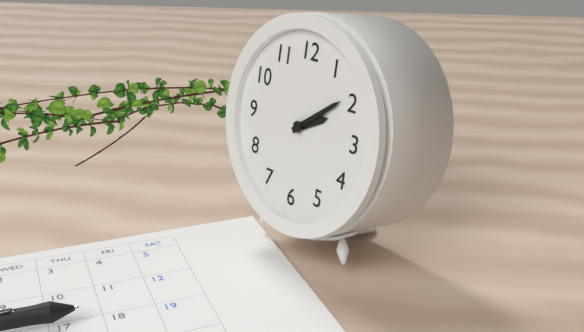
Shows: h=2 m=9
